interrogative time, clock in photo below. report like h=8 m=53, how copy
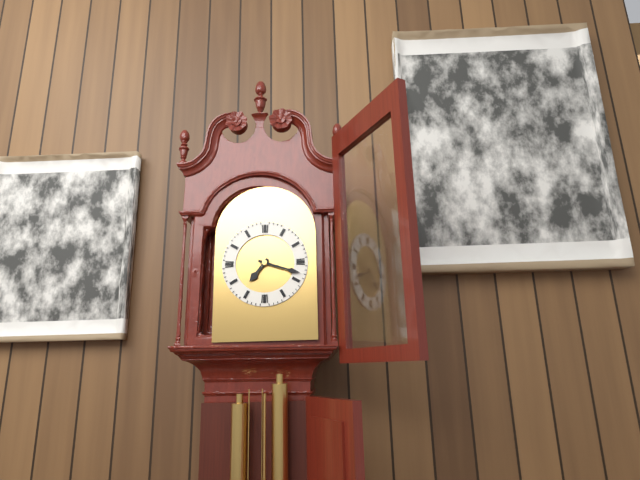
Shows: h=7 m=18
